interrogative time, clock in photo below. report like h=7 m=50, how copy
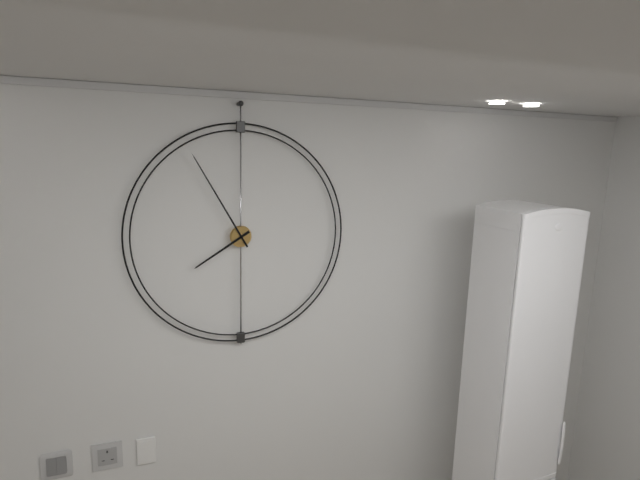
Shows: h=7 m=55
